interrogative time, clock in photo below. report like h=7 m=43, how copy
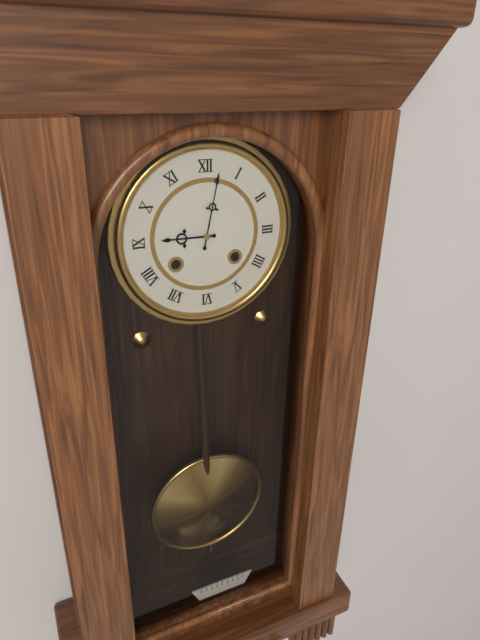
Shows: h=9 m=2
